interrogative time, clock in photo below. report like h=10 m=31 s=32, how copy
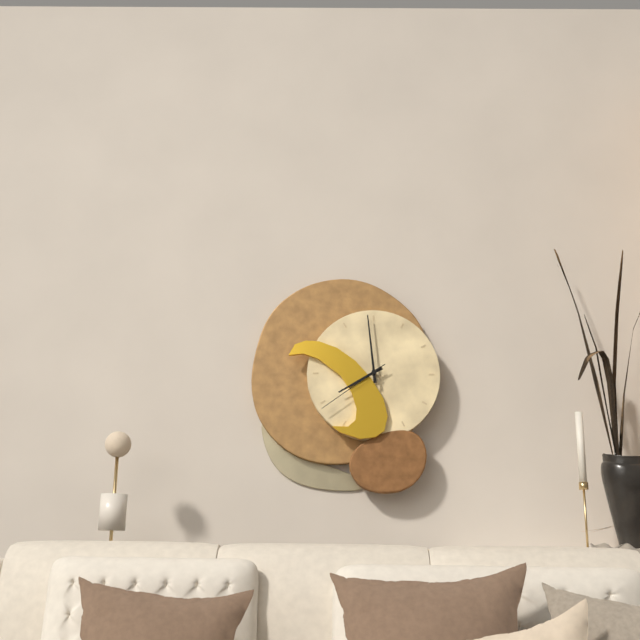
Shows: h=7 m=59 s=39
